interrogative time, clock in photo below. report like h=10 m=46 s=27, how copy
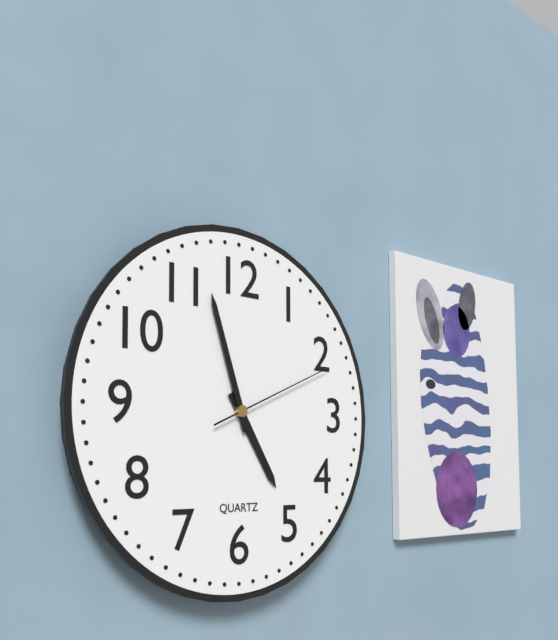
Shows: h=4 m=57 s=11
